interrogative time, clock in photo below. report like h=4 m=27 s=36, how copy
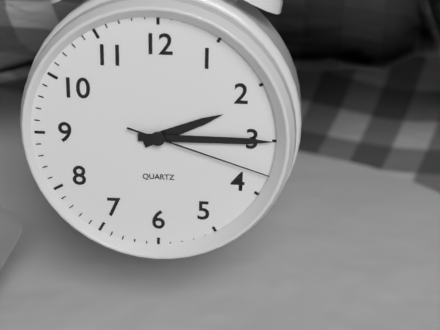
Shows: h=2 m=15 s=18
